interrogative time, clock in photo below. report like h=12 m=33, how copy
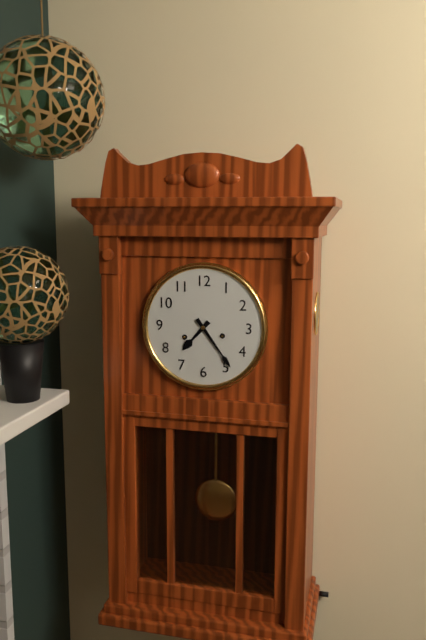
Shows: h=7 m=24
